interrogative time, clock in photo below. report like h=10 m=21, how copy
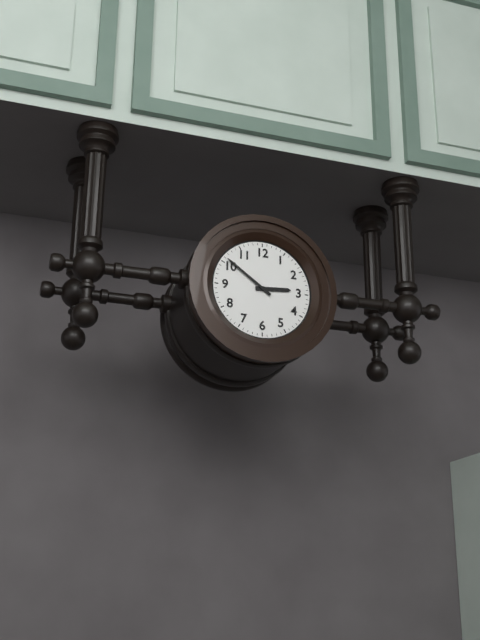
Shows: h=2 m=51
